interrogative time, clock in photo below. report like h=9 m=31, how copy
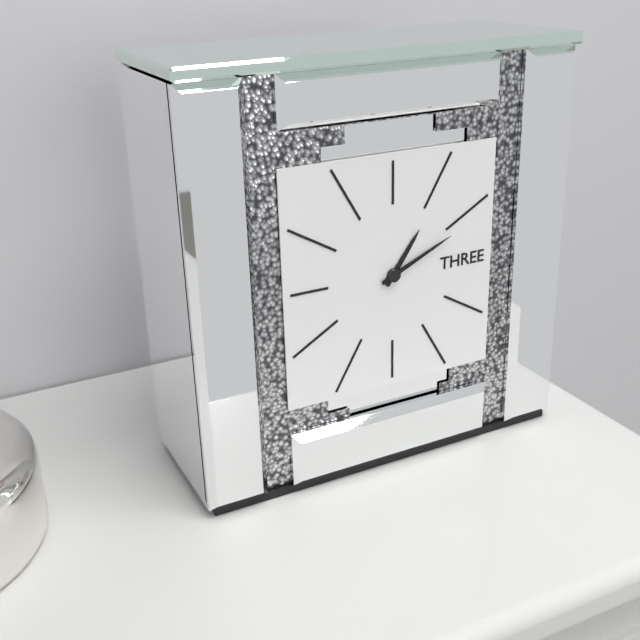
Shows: h=1 m=11
